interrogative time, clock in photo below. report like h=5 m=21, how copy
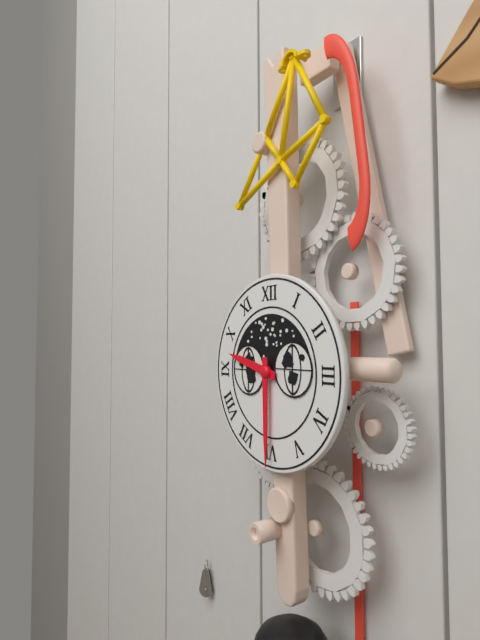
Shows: h=9 m=30
